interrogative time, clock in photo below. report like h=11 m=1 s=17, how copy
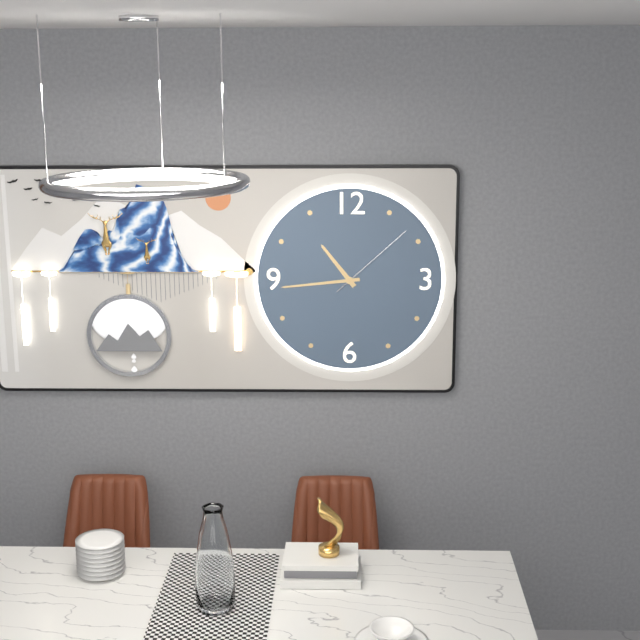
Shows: h=10 m=44 s=8
